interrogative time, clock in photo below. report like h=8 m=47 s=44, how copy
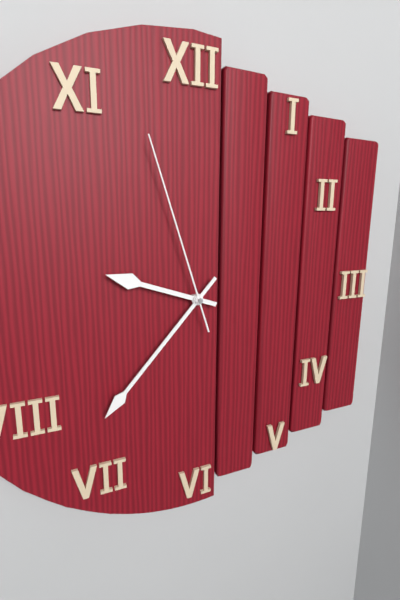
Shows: h=9 m=37 s=57
